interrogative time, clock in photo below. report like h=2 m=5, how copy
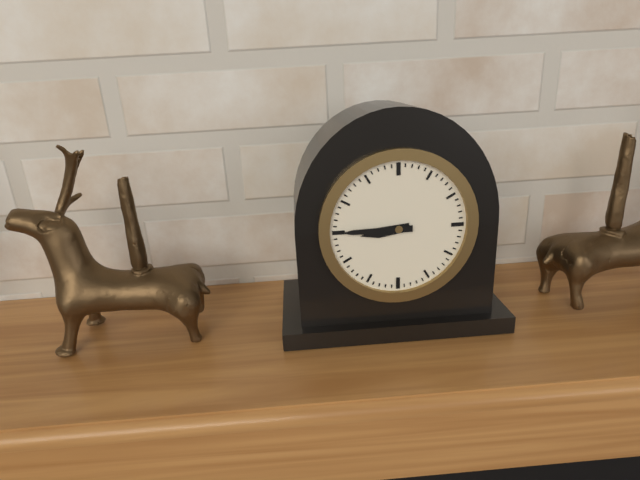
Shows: h=8 m=45
